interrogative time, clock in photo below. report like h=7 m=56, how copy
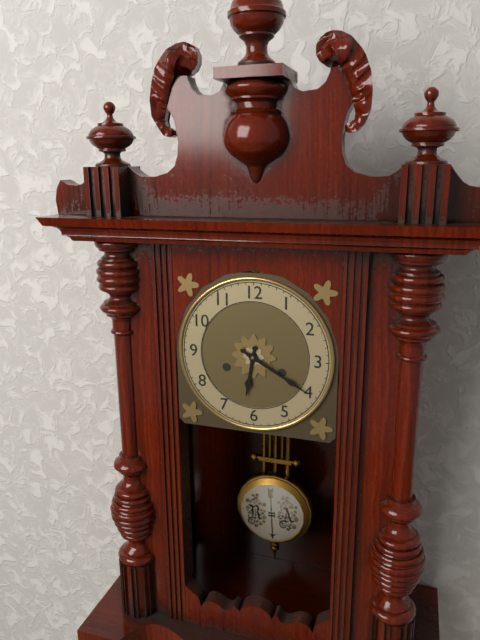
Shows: h=6 m=20
